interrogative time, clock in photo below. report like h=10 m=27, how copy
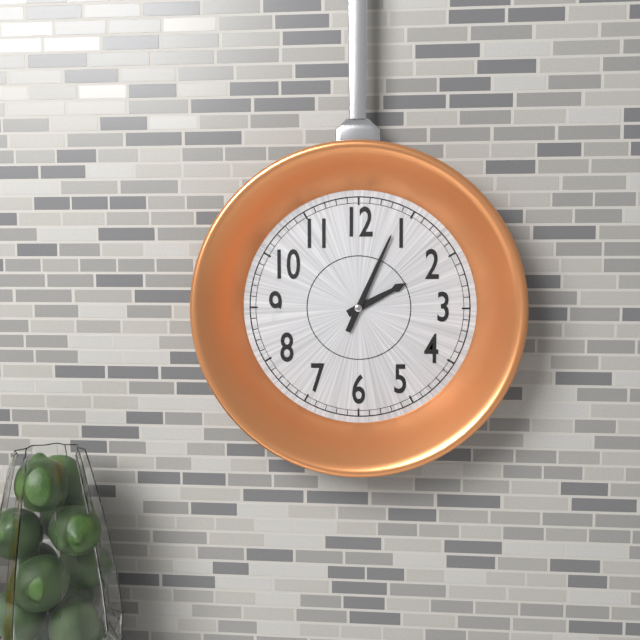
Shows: h=2 m=4
